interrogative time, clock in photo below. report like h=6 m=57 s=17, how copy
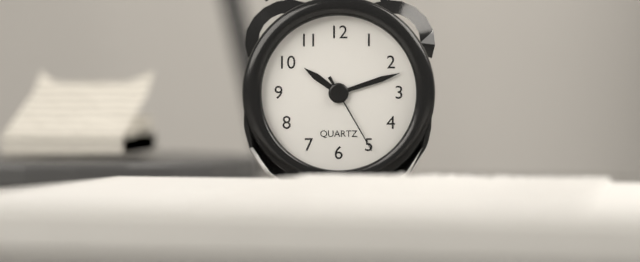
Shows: h=10 m=12 s=25
